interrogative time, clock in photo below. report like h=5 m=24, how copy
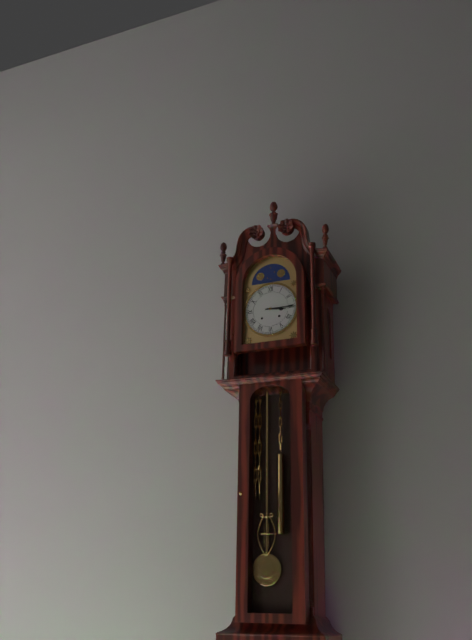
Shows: h=3 m=15
